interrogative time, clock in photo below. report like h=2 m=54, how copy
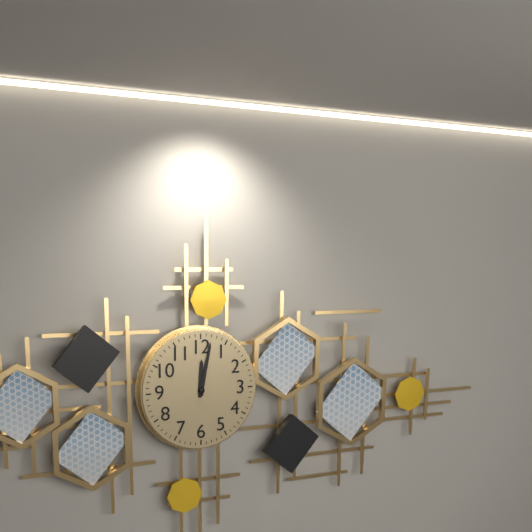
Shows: h=12 m=2
